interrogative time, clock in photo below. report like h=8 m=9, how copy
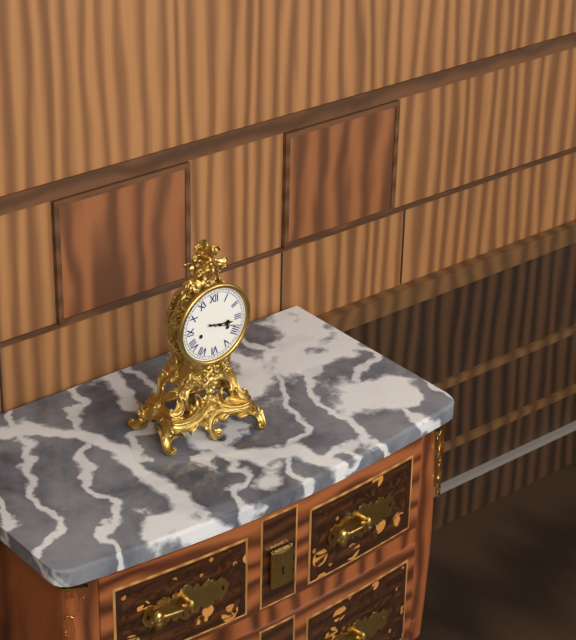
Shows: h=3 m=18
